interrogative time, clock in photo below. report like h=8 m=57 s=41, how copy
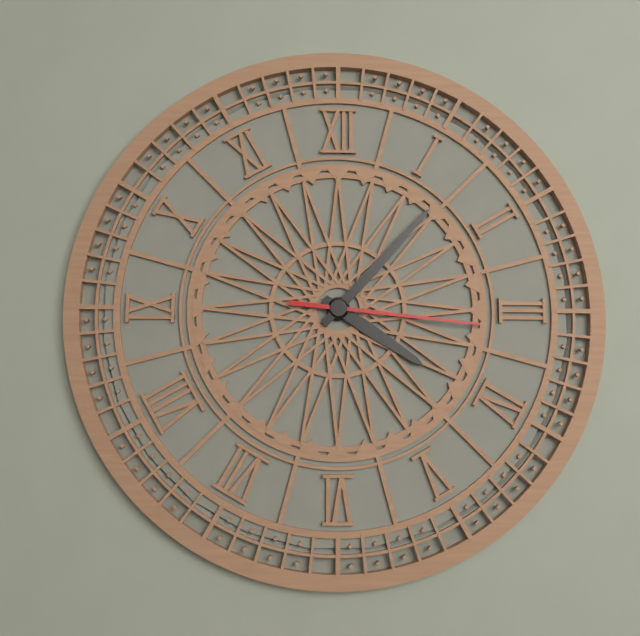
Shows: h=4 m=7 s=16
